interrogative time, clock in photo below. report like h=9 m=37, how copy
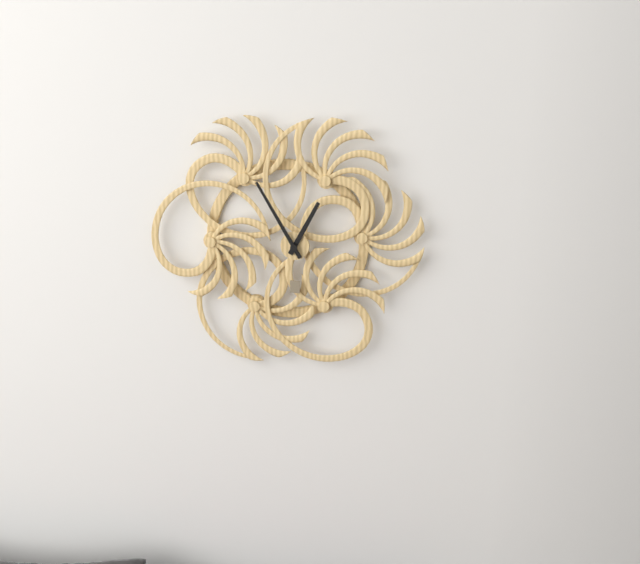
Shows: h=12 m=55
